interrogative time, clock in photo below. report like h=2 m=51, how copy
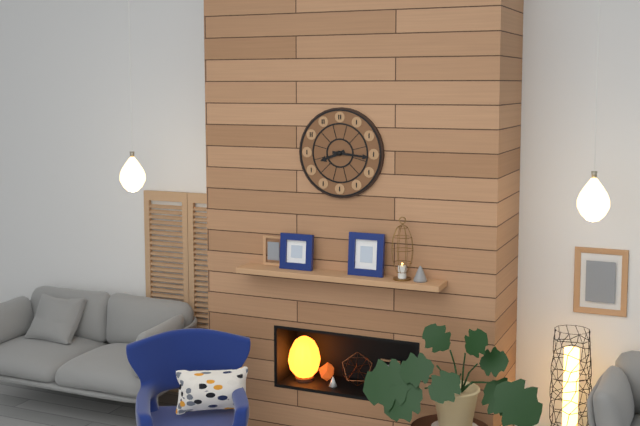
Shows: h=8 m=16
